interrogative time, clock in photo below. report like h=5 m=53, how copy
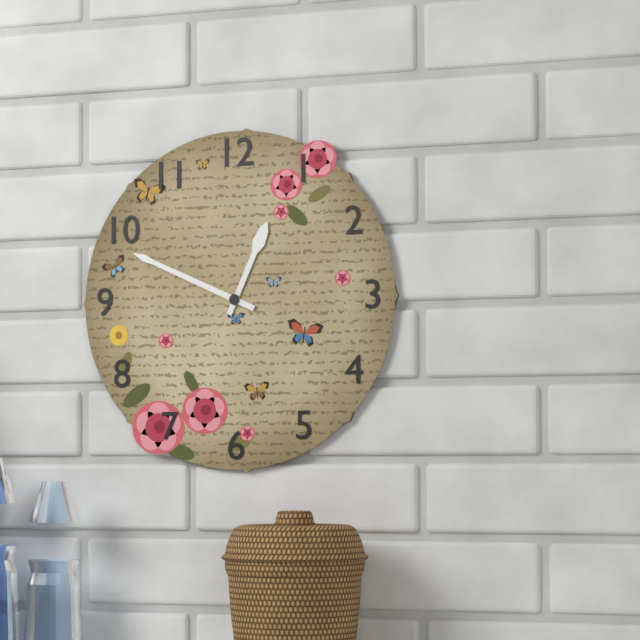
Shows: h=12 m=49
